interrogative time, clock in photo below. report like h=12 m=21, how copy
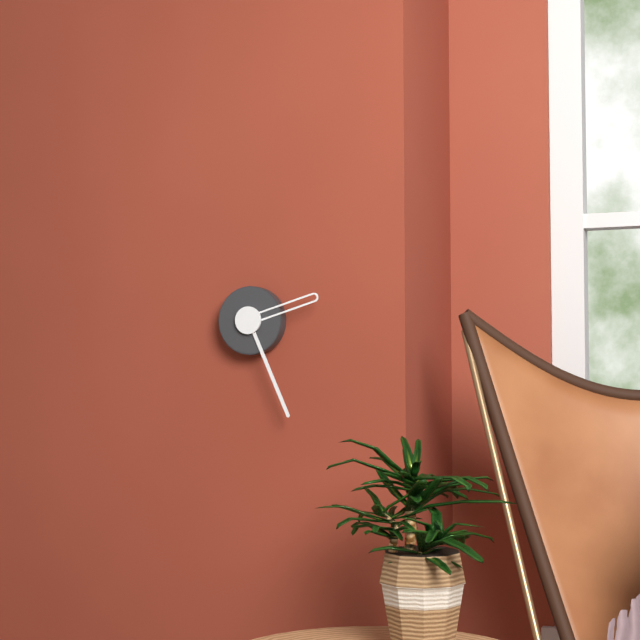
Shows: h=2 m=26
